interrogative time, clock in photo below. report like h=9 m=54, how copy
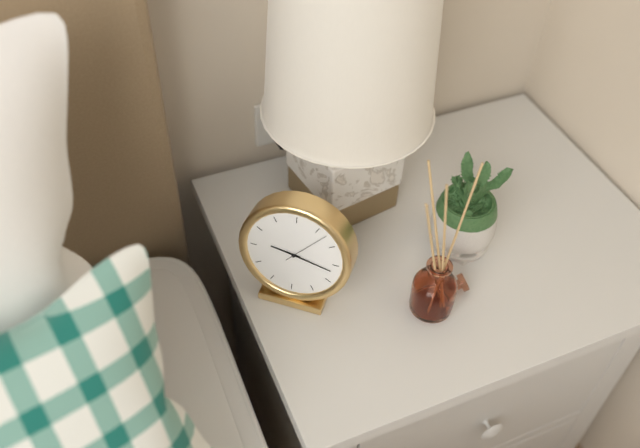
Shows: h=9 m=17
